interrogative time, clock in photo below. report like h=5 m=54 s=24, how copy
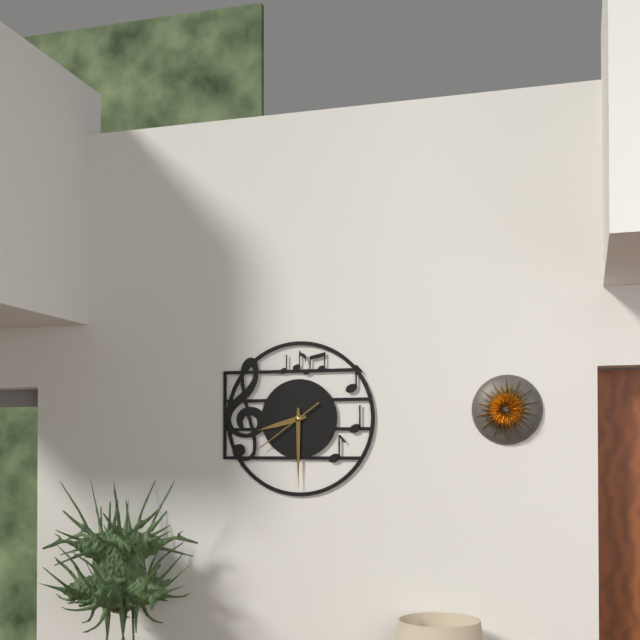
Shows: h=8 m=30 s=39
